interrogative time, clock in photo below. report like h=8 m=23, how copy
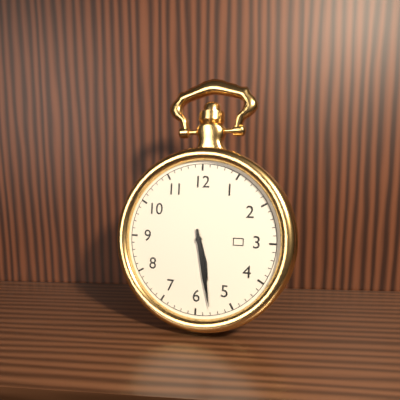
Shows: h=5 m=28
